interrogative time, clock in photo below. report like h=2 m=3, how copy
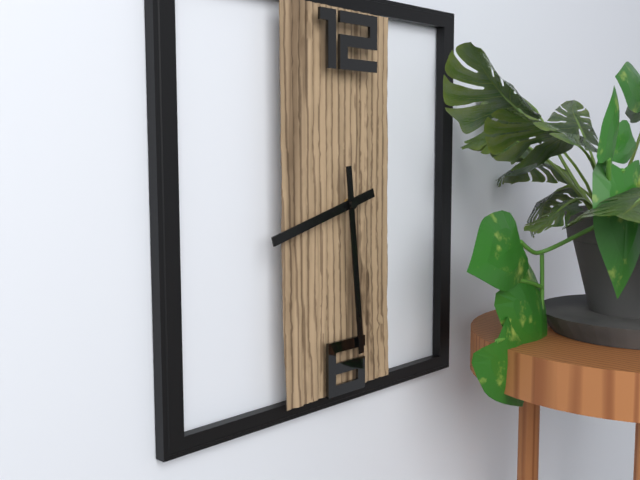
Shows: h=8 m=29
